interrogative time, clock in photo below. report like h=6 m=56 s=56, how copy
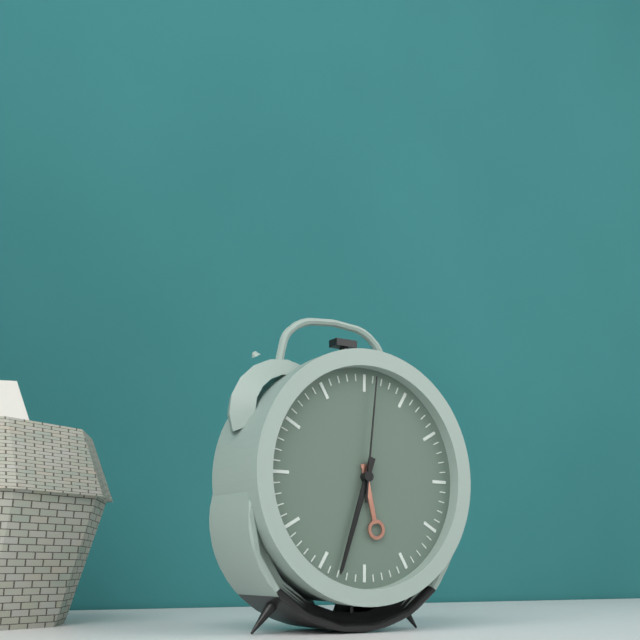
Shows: h=5 m=33 s=1
